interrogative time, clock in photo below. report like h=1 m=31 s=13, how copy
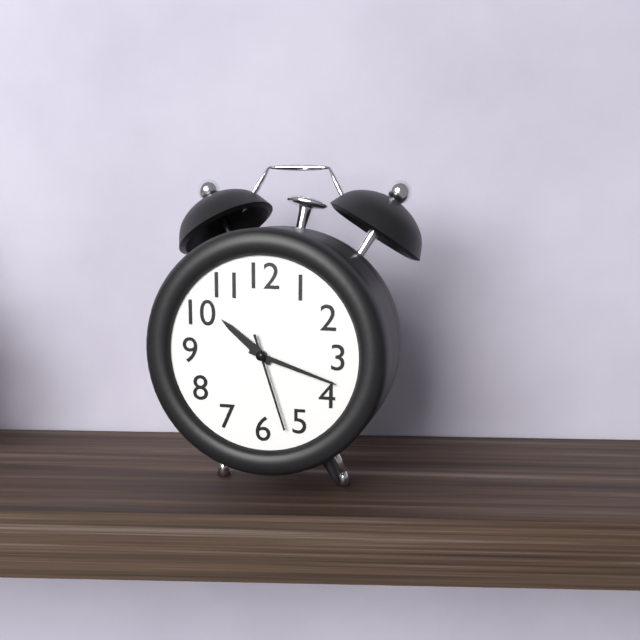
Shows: h=10 m=18 s=27
